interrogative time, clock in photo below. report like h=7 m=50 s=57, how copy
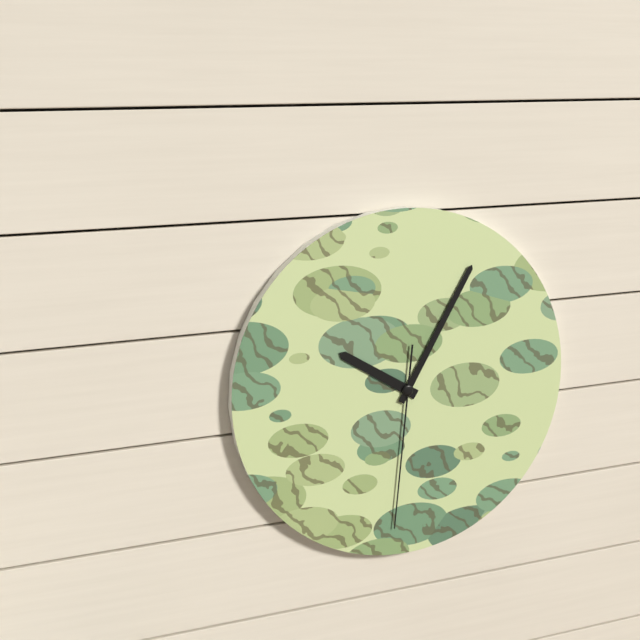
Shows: h=10 m=5 s=31
